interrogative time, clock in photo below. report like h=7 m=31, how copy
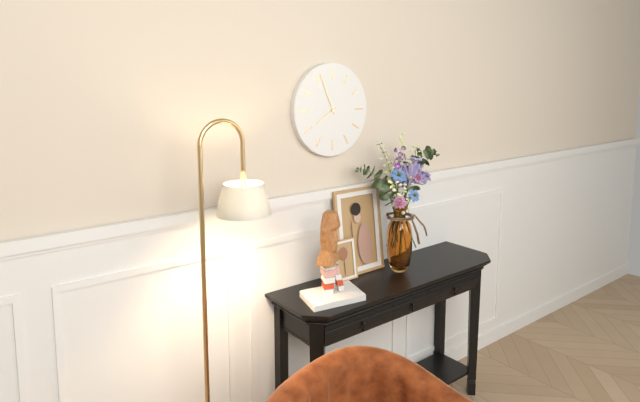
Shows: h=7 m=56
